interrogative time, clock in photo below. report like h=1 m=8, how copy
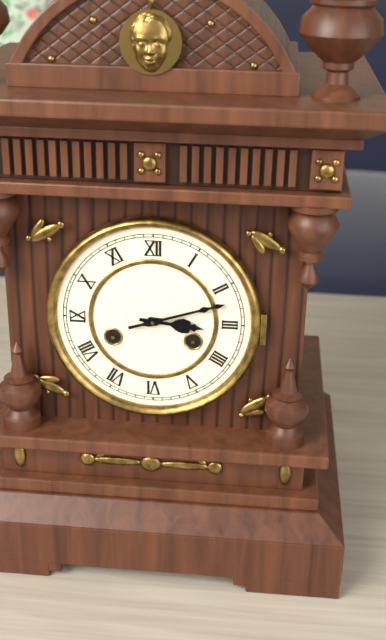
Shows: h=3 m=12
